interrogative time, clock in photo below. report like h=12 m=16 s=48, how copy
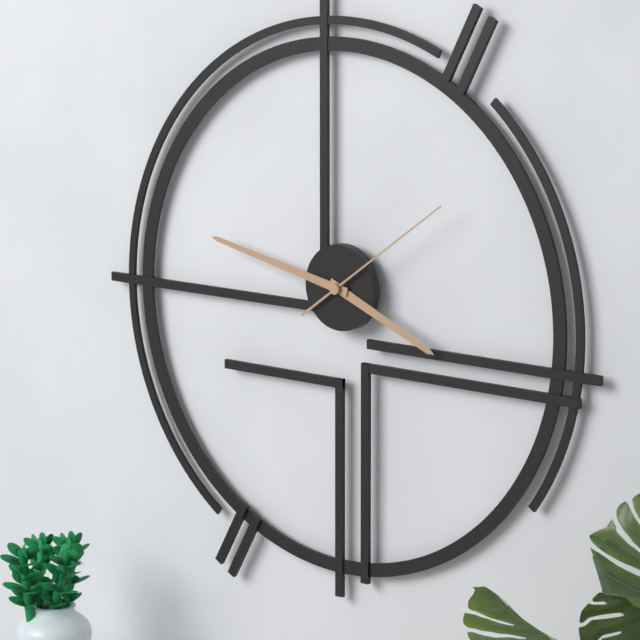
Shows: h=3 m=47 s=9
